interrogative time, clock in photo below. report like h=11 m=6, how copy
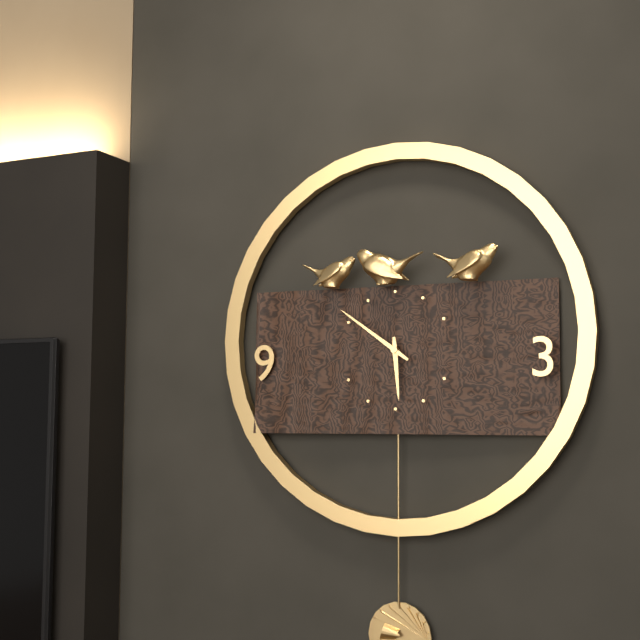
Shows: h=5 m=51
